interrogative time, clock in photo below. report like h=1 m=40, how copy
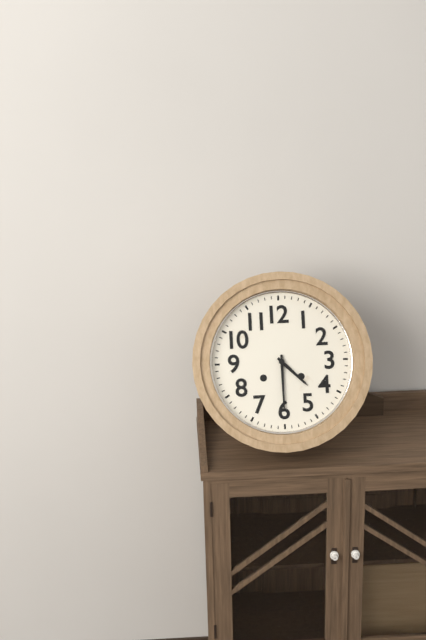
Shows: h=4 m=30
